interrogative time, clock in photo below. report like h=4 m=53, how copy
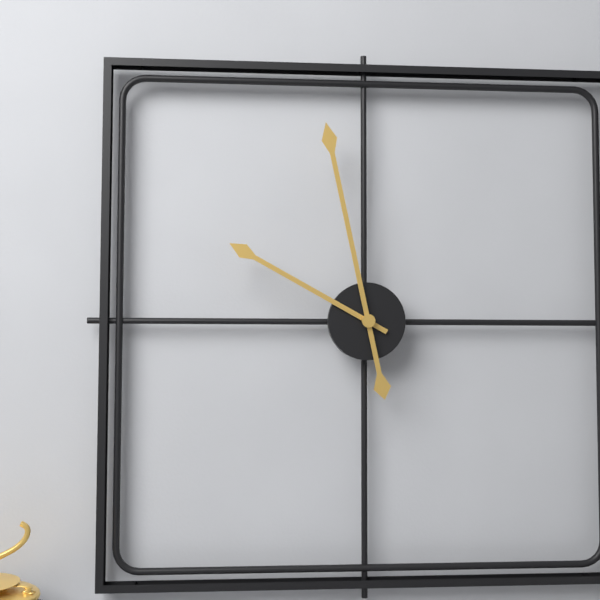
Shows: h=9 m=58
